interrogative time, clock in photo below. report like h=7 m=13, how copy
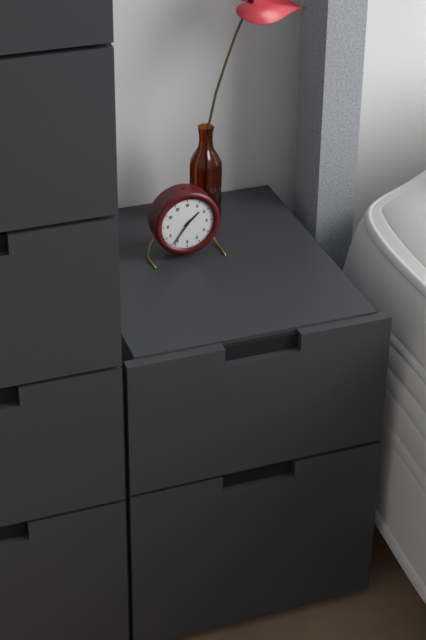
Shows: h=1 m=36
